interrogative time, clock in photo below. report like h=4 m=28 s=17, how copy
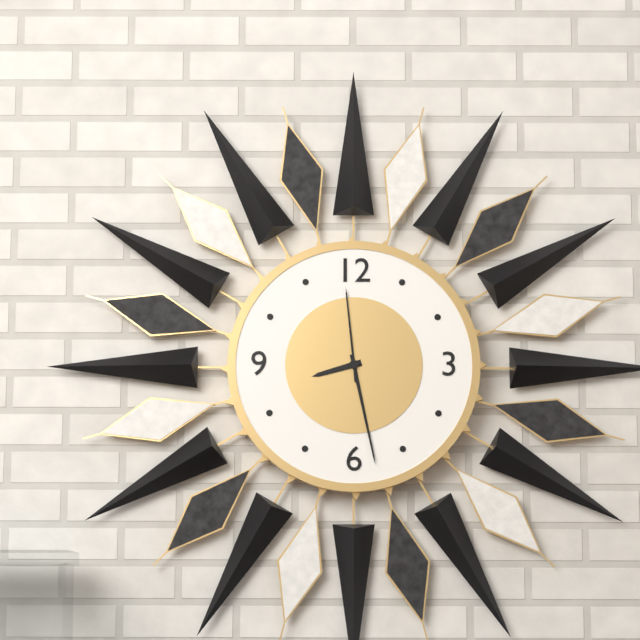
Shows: h=8 m=28 s=59
